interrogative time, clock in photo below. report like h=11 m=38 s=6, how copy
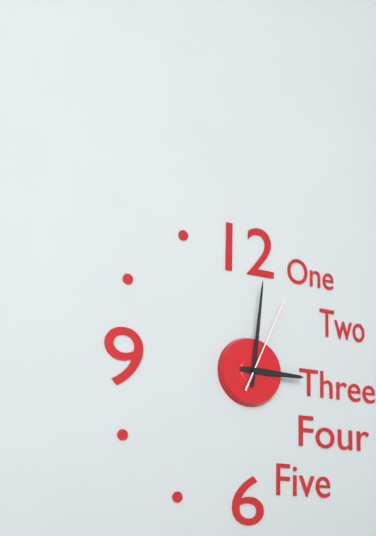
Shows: h=3 m=1 s=4
